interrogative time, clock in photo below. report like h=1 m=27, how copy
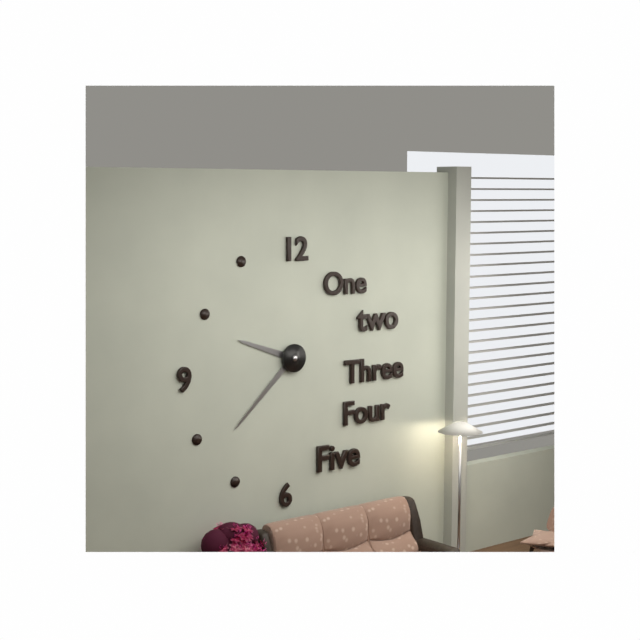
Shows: h=9 m=38
